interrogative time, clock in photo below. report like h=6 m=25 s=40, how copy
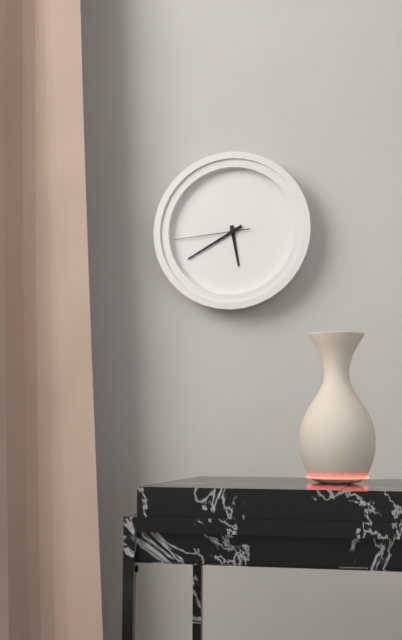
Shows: h=5 m=40 s=44
